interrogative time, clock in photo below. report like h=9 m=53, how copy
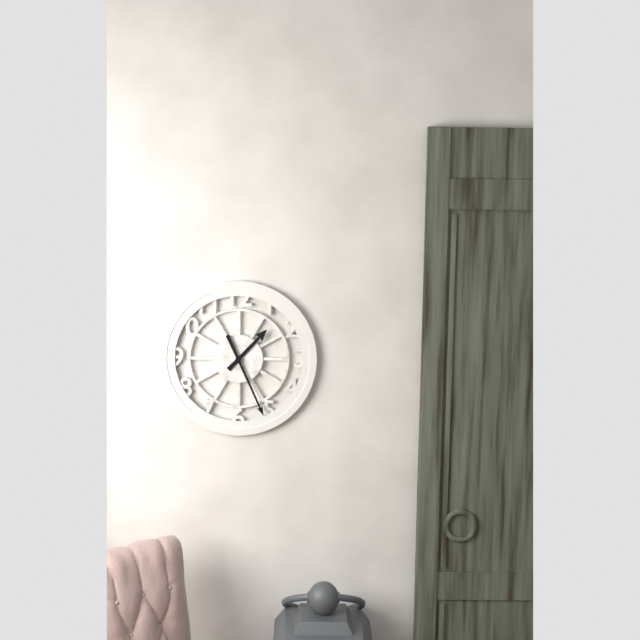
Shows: h=1 m=26
